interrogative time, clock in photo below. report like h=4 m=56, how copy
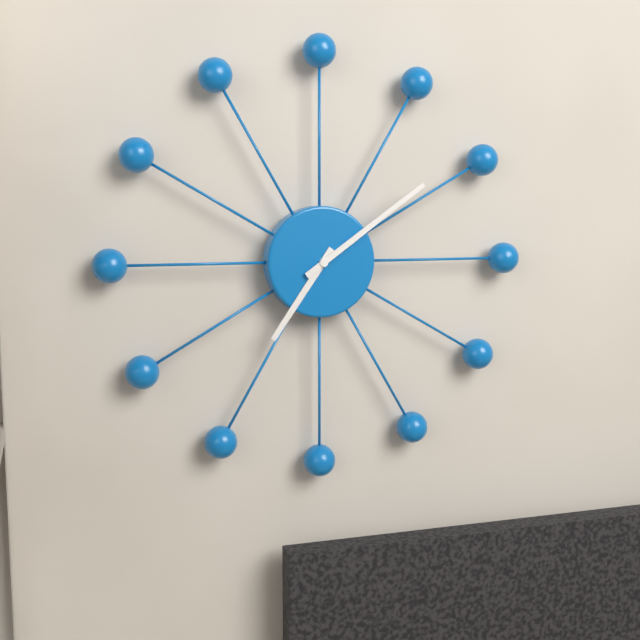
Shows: h=7 m=9
